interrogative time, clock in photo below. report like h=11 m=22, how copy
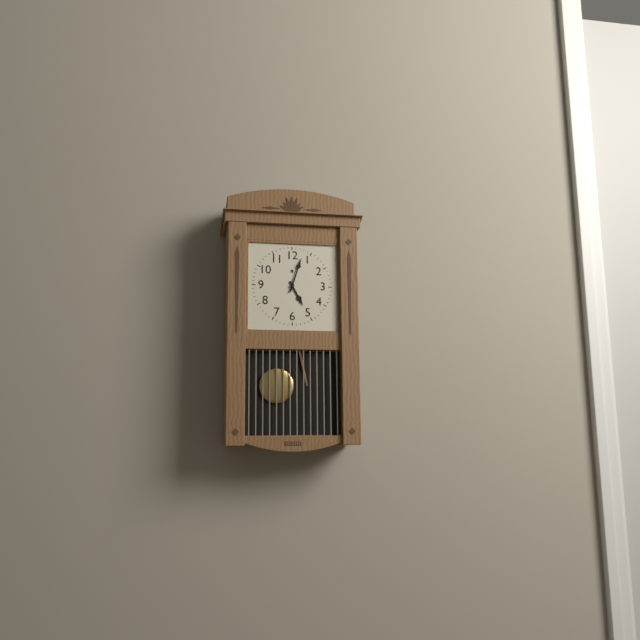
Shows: h=5 m=3
